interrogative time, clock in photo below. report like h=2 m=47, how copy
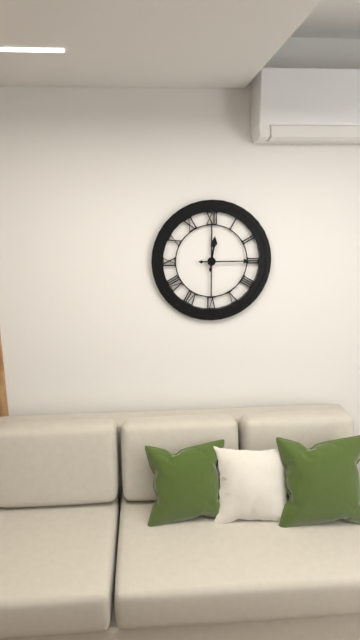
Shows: h=12 m=15
